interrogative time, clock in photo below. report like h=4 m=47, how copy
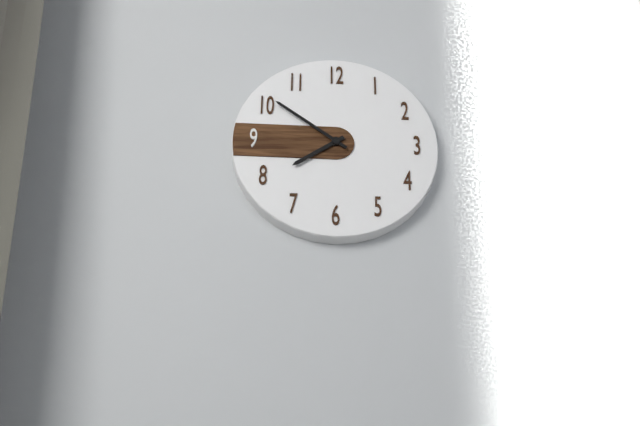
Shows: h=7 m=51
